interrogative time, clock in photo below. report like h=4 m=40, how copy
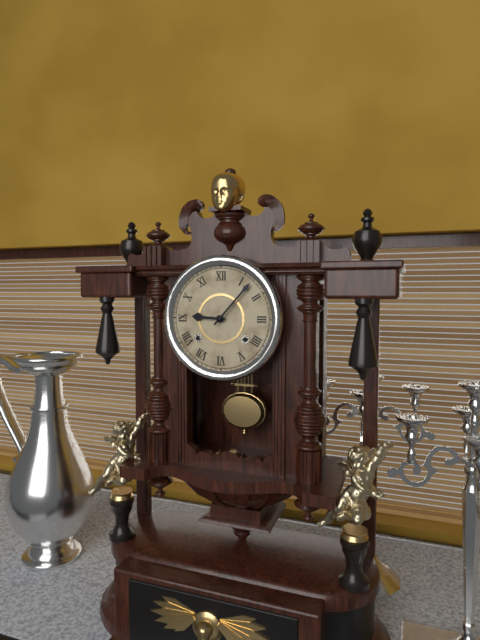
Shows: h=9 m=7
